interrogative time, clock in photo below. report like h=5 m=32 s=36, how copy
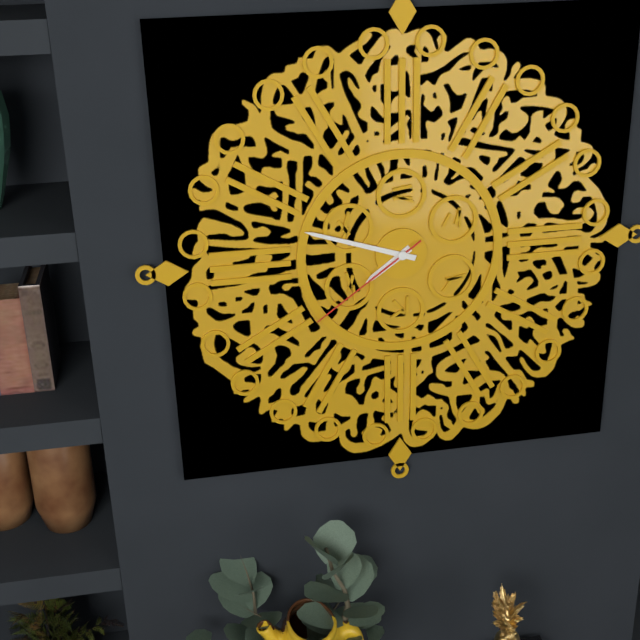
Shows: h=7 m=48 s=39
